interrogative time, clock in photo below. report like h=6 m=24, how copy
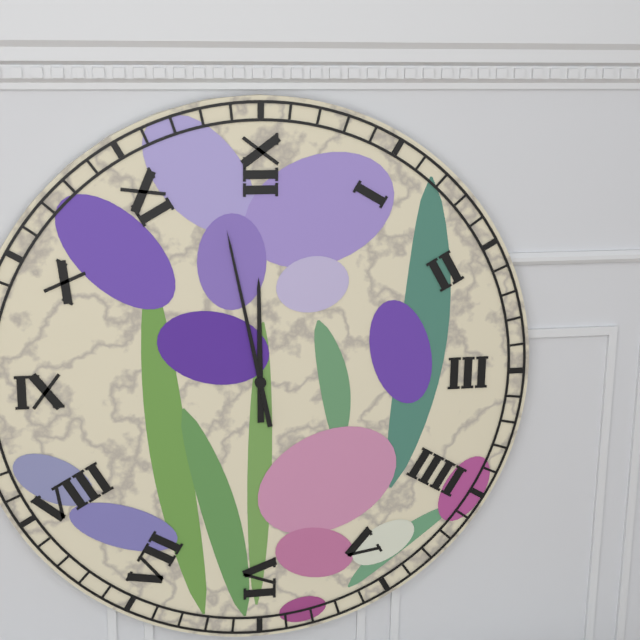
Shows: h=11 m=58
